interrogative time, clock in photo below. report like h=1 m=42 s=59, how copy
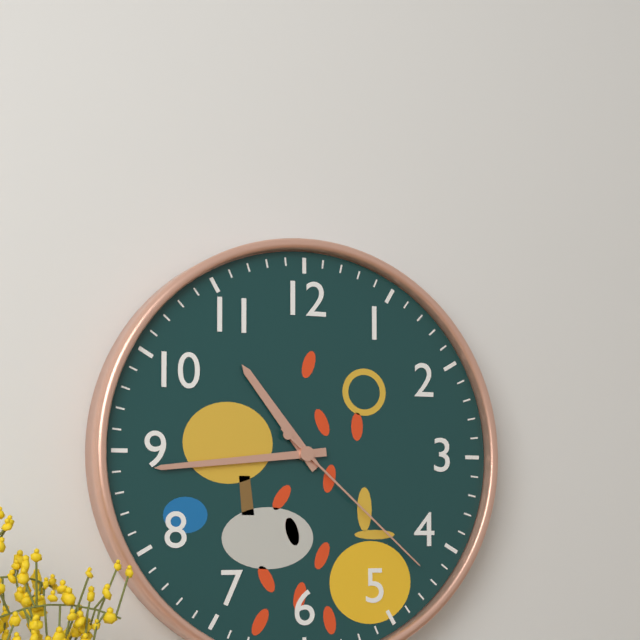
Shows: h=10 m=44 s=22
